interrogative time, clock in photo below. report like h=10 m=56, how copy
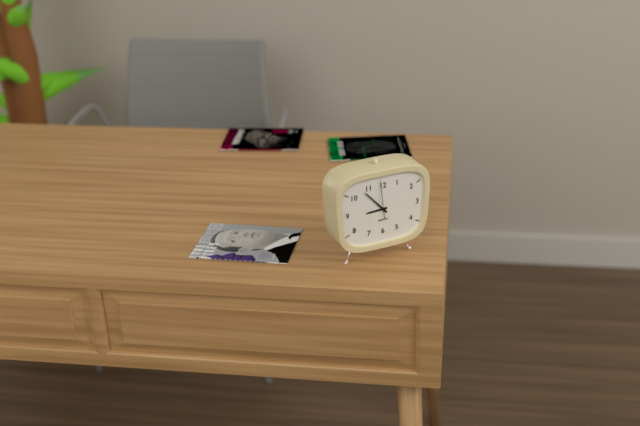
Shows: h=8 m=53
